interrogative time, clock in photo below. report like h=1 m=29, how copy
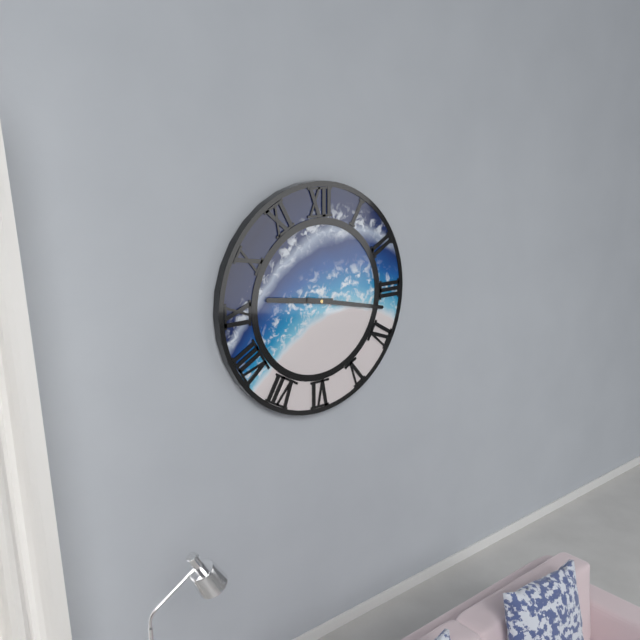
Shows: h=9 m=17
